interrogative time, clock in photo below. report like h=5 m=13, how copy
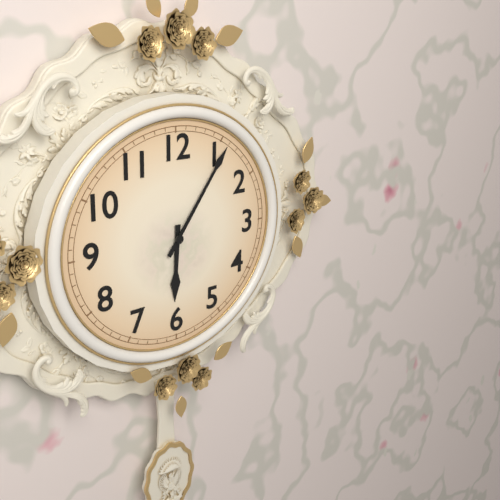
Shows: h=6 m=6
